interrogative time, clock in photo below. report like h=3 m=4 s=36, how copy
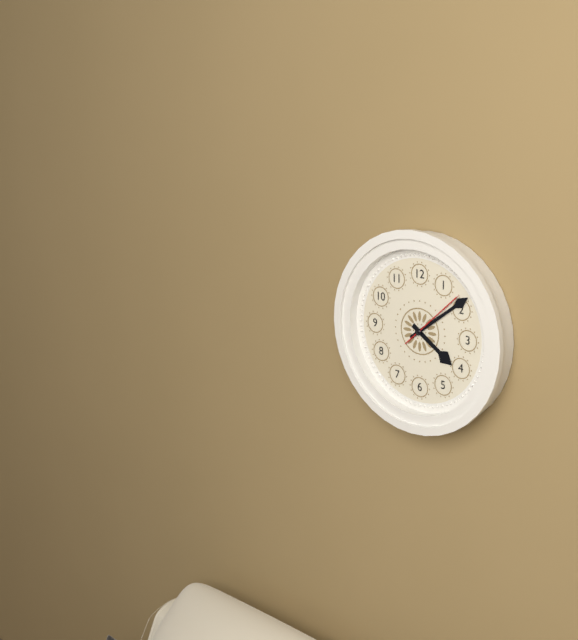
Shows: h=4 m=9 s=8
